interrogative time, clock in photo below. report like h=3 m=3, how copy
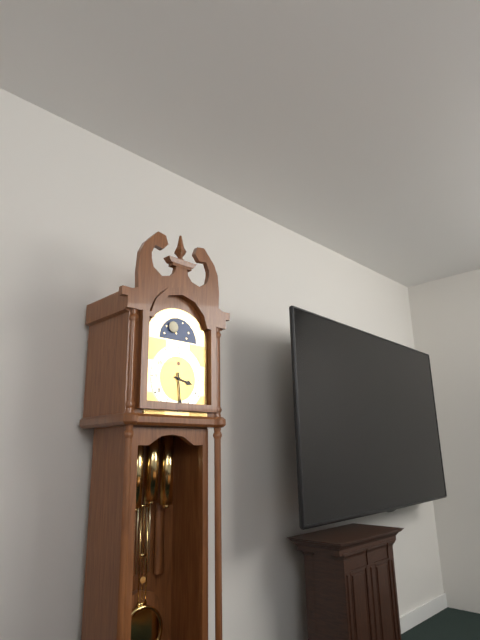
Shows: h=3 m=29
